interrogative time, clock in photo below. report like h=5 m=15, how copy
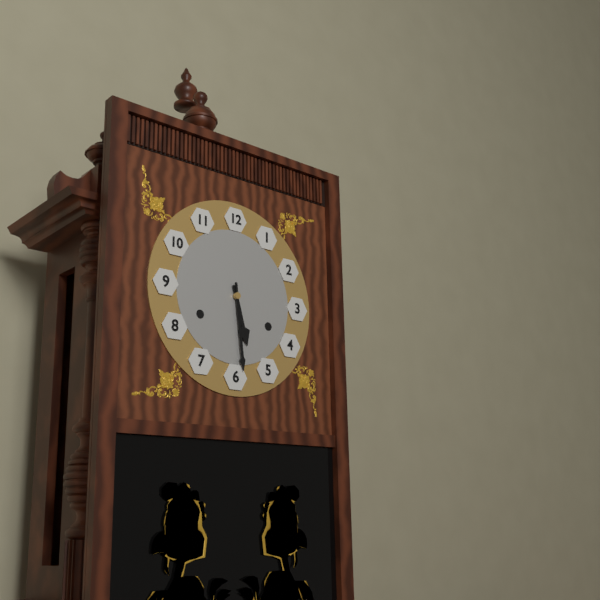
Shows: h=5 m=29
